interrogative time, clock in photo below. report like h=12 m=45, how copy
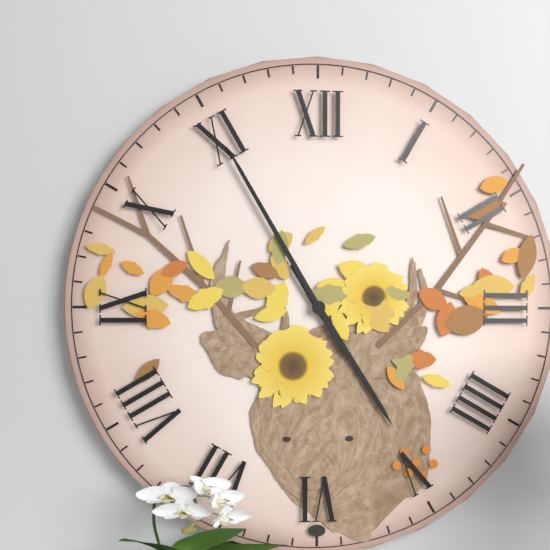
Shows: h=4 m=55
